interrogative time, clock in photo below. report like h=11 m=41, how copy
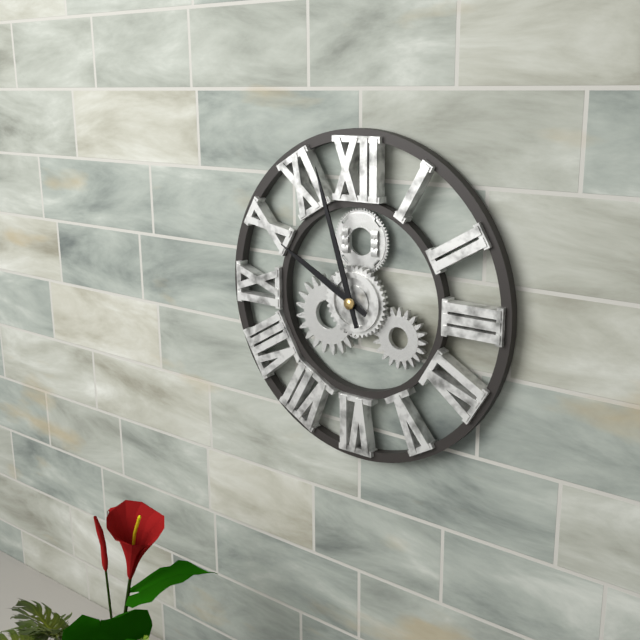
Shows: h=9 m=57
